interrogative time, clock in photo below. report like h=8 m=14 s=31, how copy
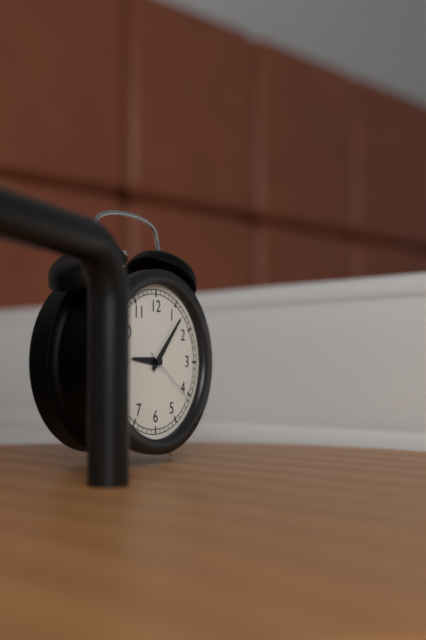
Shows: h=9 m=7 s=21
